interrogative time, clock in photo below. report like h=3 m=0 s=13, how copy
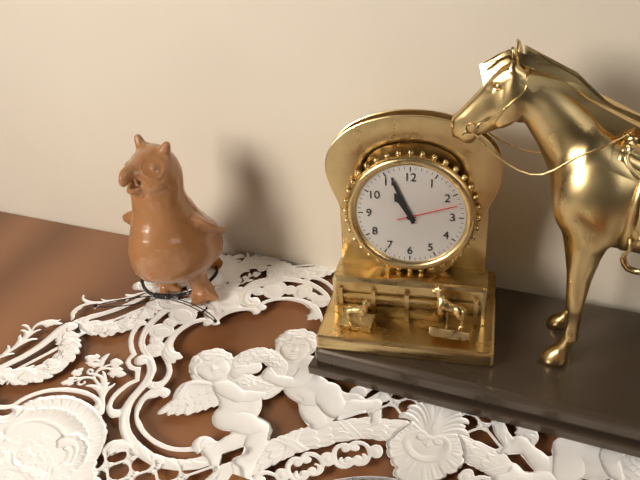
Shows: h=10 m=56 s=12
